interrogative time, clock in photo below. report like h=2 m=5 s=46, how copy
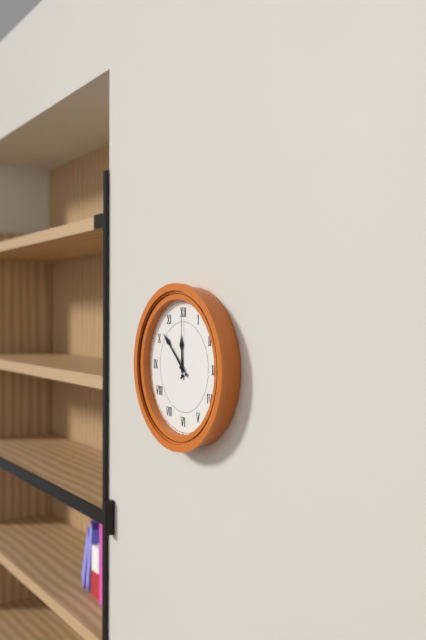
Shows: h=11 m=52 s=0
